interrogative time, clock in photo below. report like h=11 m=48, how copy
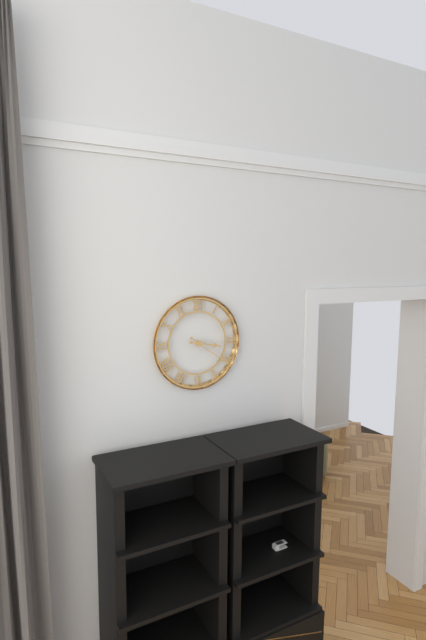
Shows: h=3 m=21
